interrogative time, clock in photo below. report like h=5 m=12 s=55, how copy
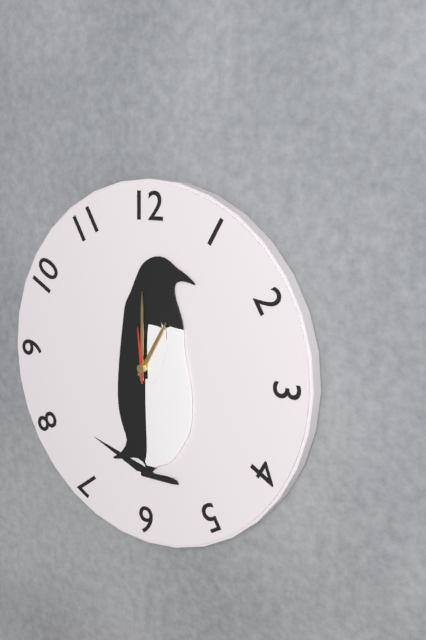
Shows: h=1 m=0 s=59
